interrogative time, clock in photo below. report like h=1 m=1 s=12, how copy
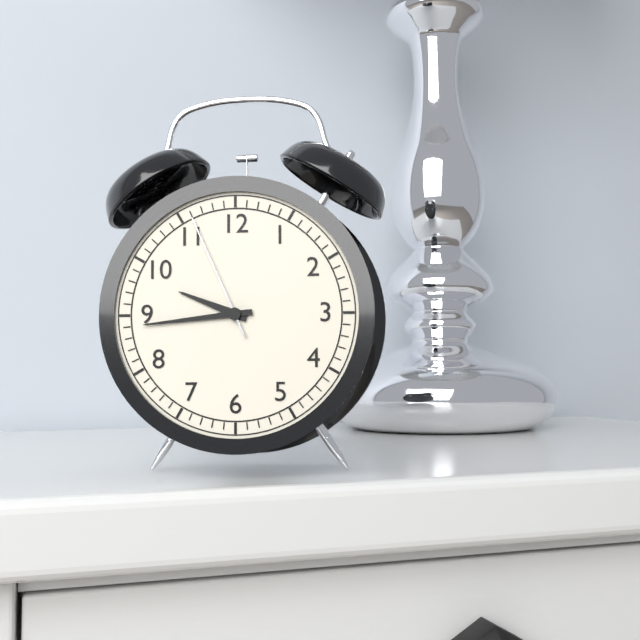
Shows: h=9 m=44 s=56
